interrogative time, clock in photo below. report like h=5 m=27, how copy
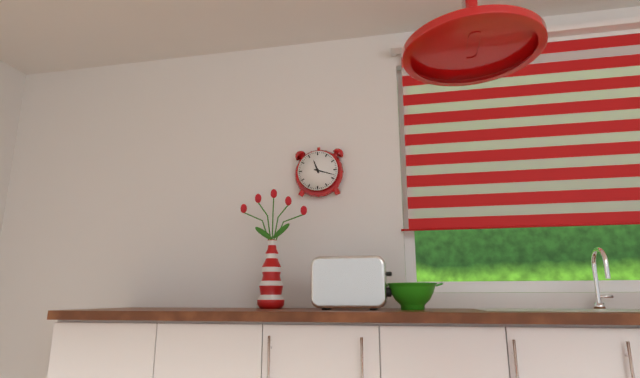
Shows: h=11 m=18
